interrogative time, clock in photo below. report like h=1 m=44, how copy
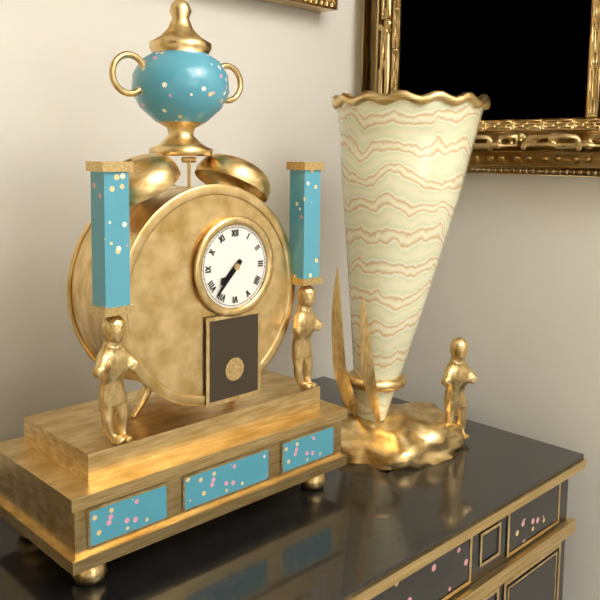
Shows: h=7 m=37
